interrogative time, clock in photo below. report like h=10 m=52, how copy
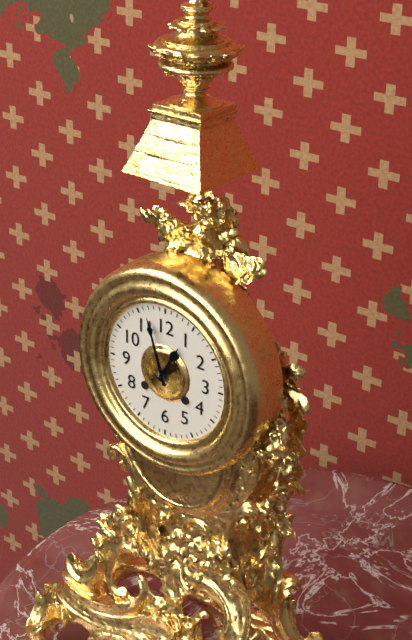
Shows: h=12 m=57
